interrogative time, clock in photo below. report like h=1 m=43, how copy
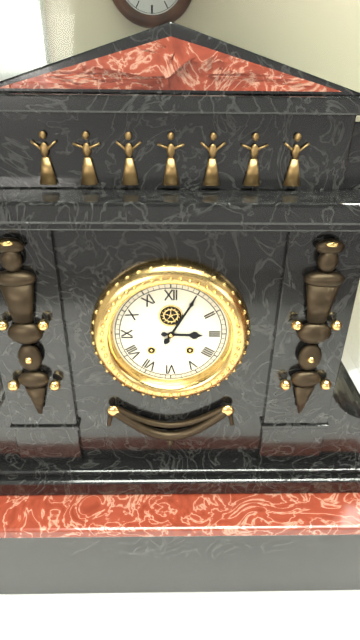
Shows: h=3 m=5
